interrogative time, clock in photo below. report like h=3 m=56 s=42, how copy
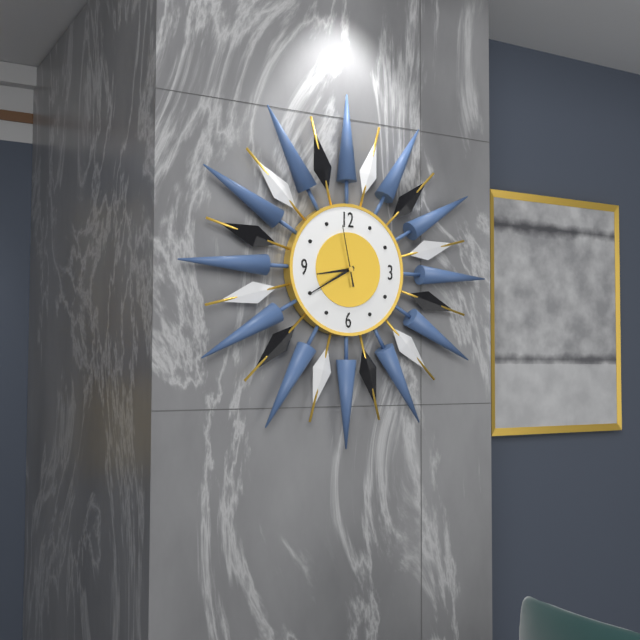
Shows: h=8 m=40 s=58
